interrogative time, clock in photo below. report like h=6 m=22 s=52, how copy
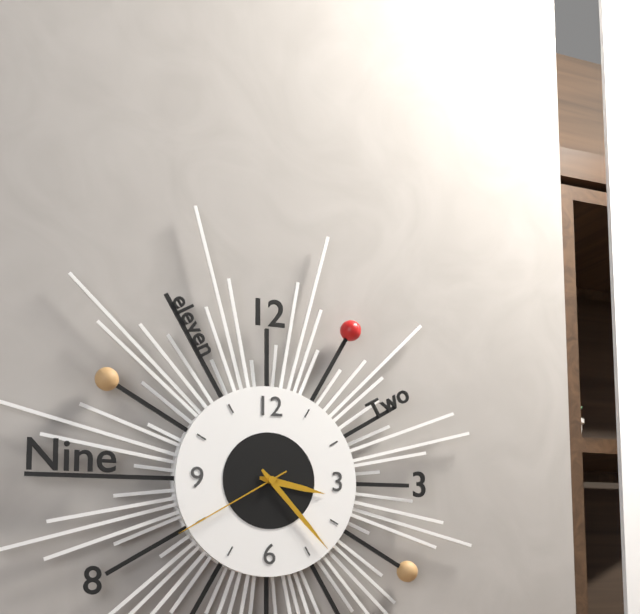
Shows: h=3 m=23 s=40
